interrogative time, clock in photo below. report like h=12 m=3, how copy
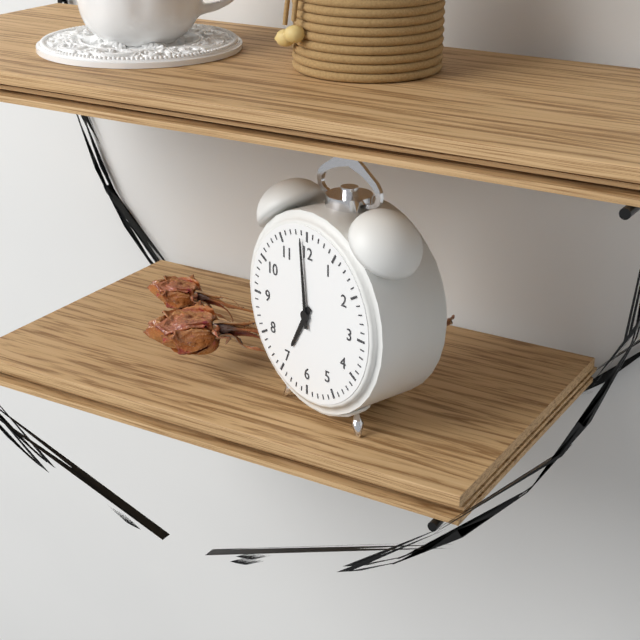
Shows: h=6 m=59
